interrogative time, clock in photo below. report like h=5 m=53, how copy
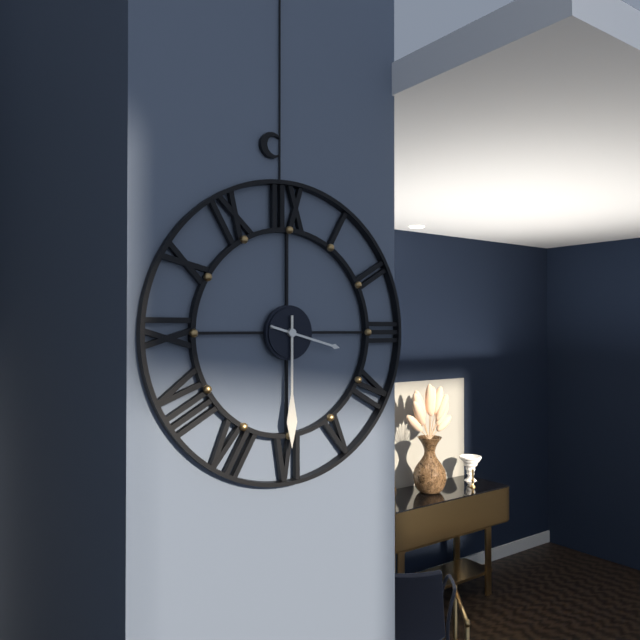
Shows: h=3 m=30
